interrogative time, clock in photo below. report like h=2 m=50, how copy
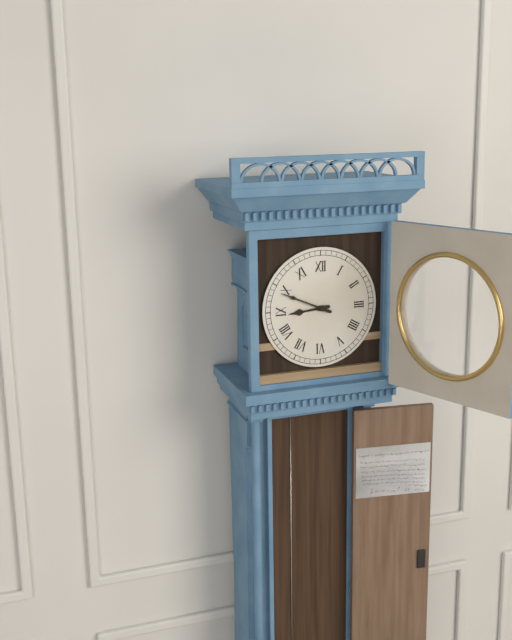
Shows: h=8 m=49
